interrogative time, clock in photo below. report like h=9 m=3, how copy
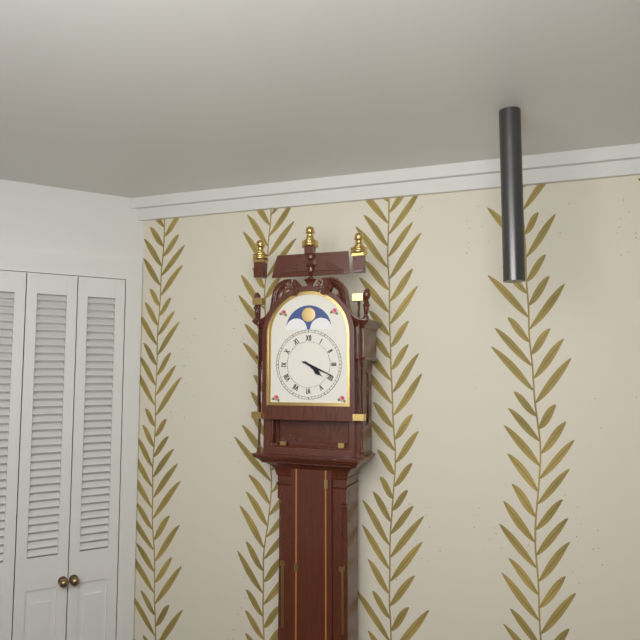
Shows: h=4 m=19
